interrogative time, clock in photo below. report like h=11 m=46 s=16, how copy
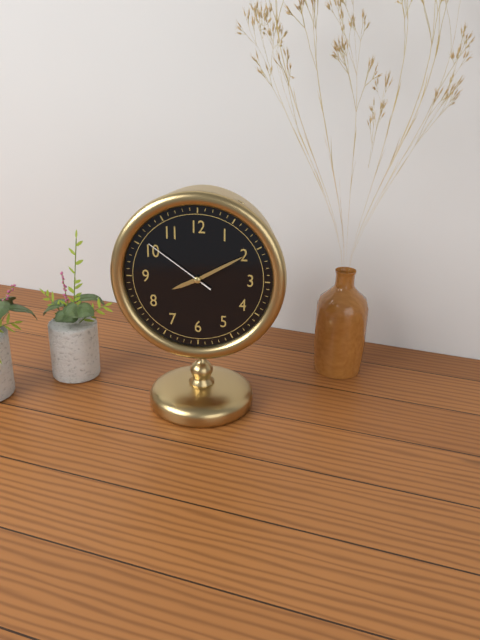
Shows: h=8 m=10 s=51
